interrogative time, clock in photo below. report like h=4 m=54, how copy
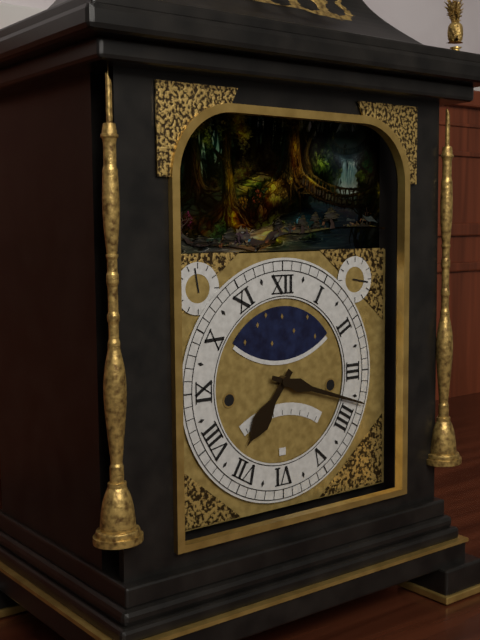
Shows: h=7 m=18
